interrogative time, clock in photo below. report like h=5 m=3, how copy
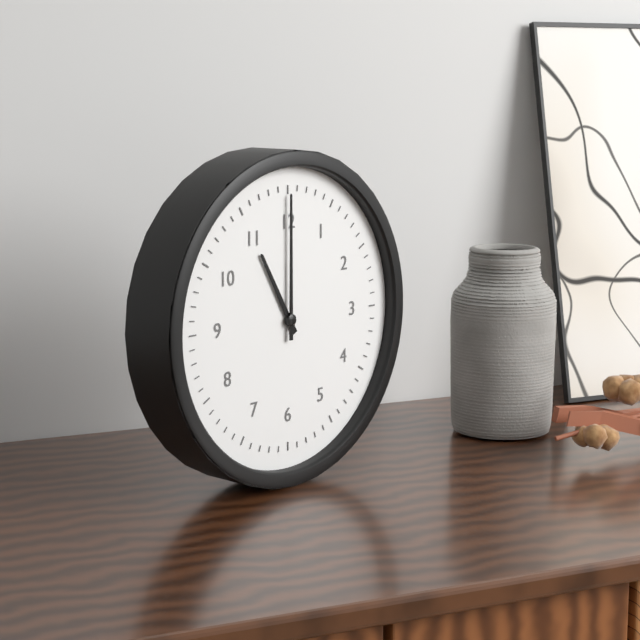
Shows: h=11 m=0
